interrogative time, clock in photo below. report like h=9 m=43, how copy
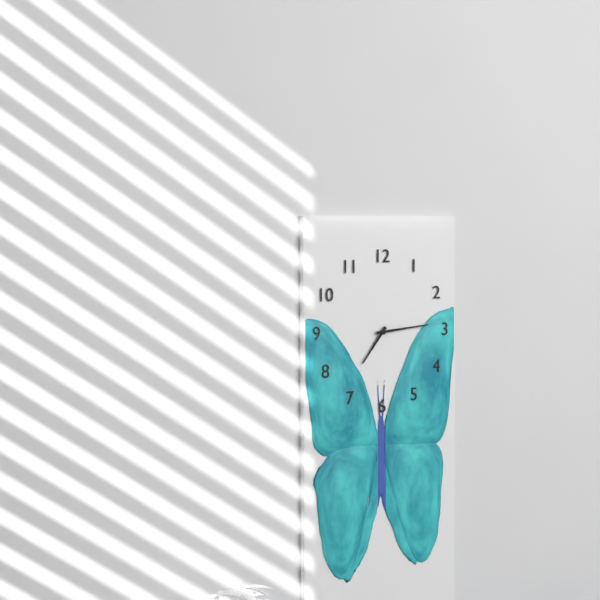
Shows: h=7 m=14
